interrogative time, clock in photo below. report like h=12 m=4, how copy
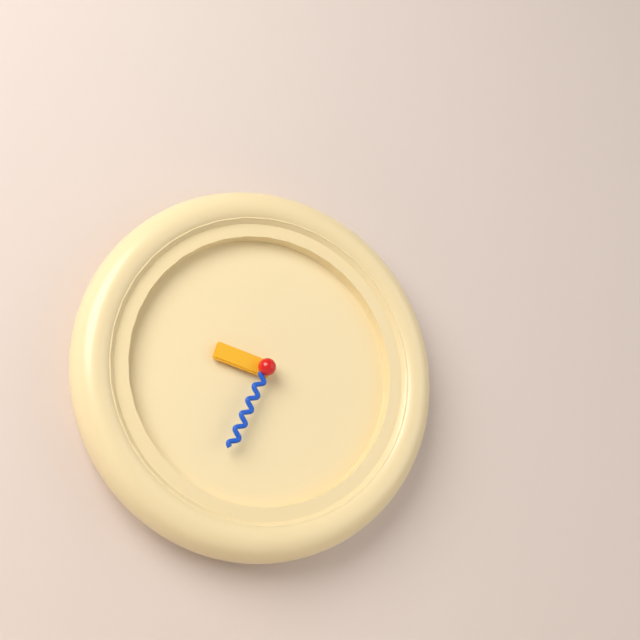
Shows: h=9 m=34
